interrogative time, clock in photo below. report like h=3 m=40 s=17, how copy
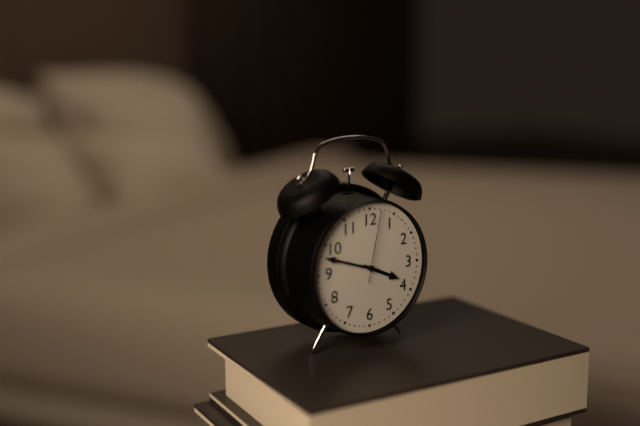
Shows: h=3 m=48 s=2
